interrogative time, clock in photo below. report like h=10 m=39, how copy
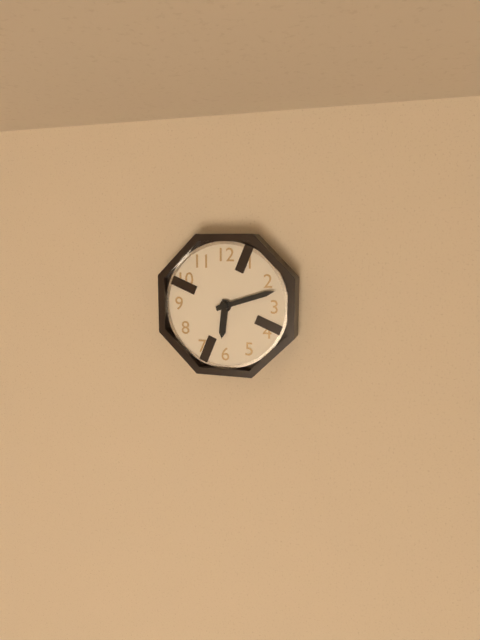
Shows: h=6 m=12
